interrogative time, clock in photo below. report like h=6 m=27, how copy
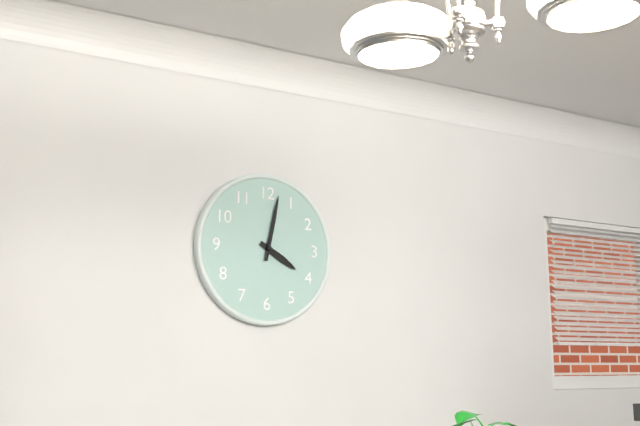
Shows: h=4 m=2
